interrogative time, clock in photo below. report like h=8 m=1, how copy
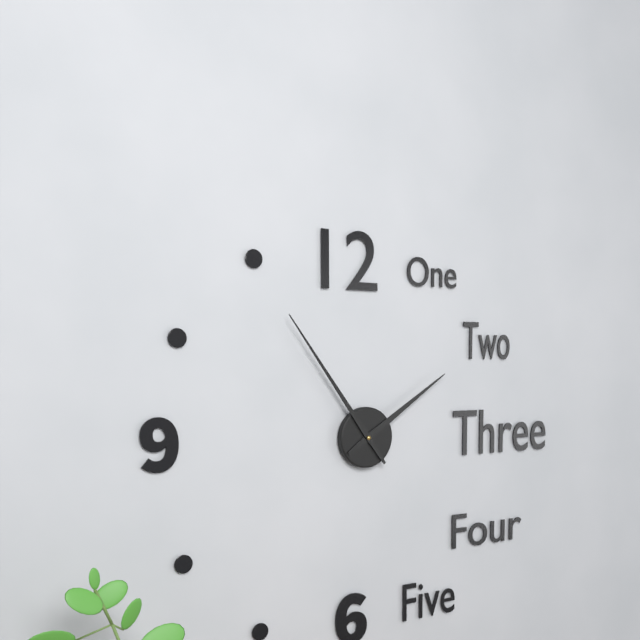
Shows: h=1 m=54
